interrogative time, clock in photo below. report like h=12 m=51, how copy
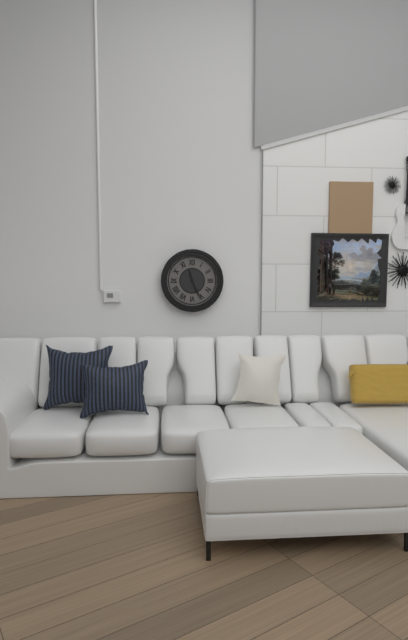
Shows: h=11 m=26
